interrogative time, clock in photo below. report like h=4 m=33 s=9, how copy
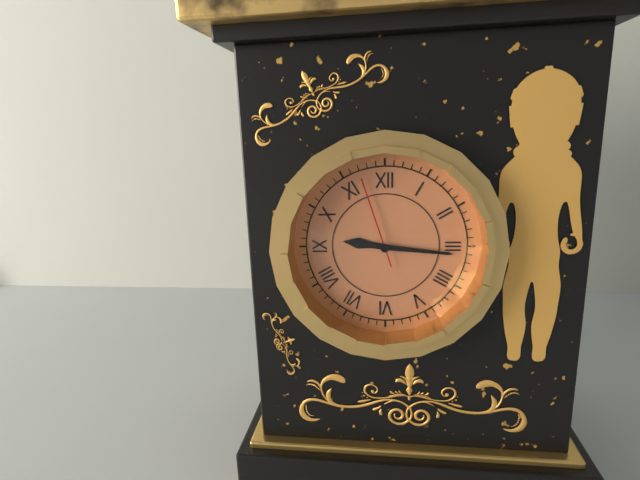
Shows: h=9 m=16 s=57
